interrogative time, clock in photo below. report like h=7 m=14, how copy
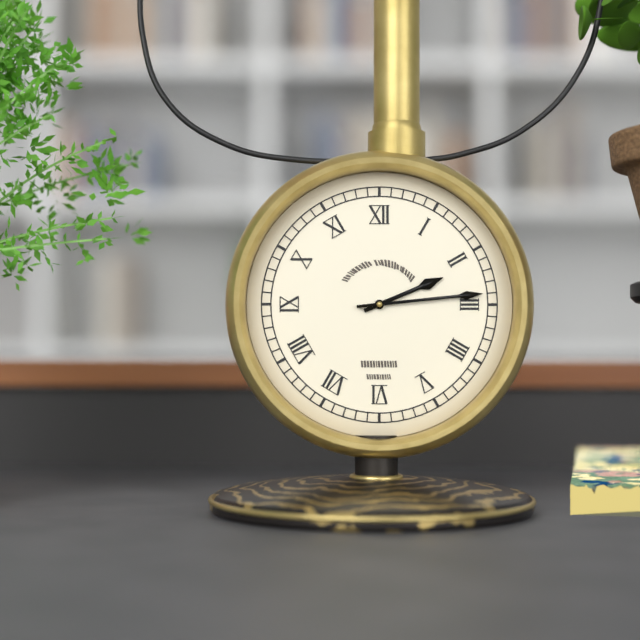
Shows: h=2 m=14
